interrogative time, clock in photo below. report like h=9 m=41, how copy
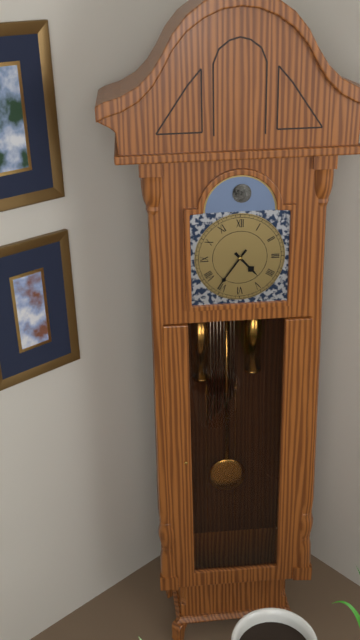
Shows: h=4 m=36
